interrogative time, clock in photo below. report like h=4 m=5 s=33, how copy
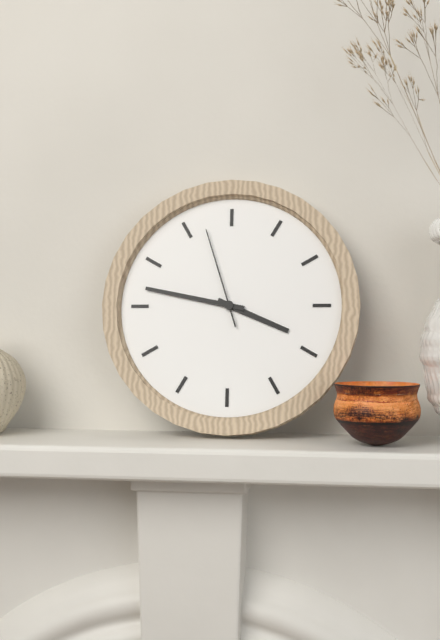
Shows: h=3 m=47 s=57
